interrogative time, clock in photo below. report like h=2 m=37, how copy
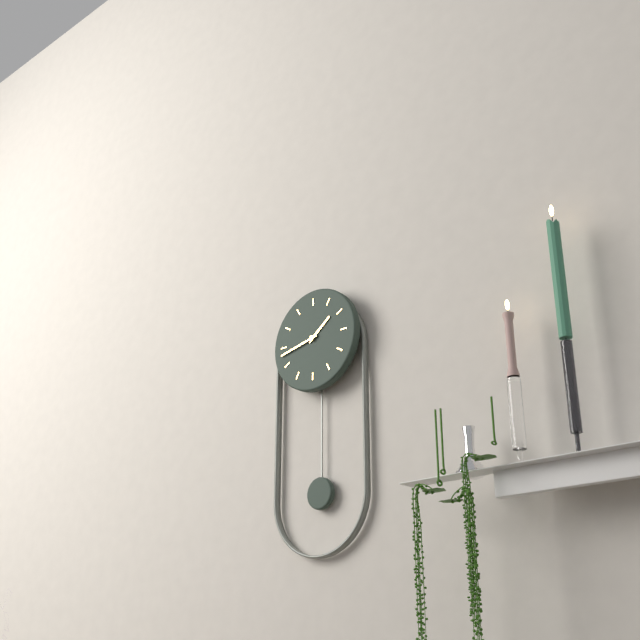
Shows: h=1 m=43
